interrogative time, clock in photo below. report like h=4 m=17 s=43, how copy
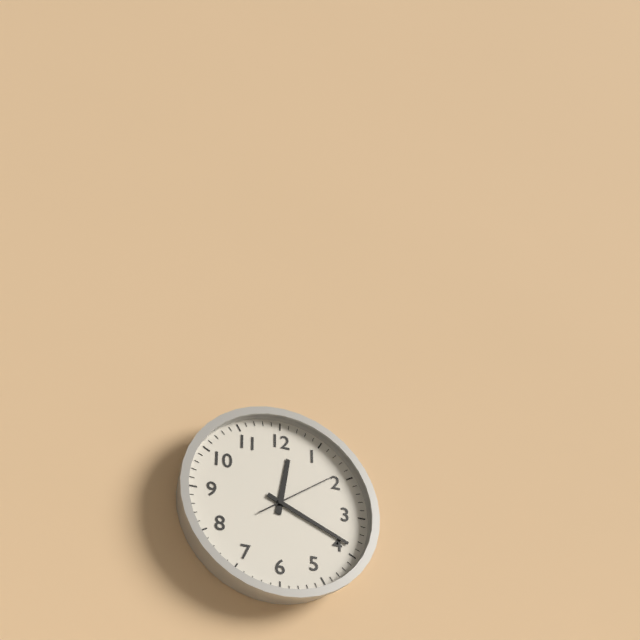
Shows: h=12 m=19 s=9
